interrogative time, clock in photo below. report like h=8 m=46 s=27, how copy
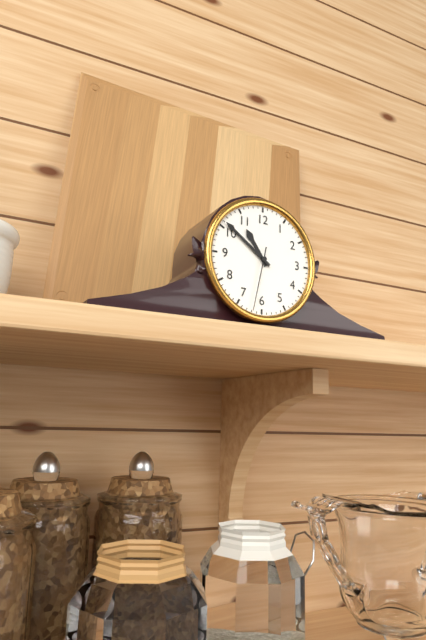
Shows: h=10 m=51 s=32
